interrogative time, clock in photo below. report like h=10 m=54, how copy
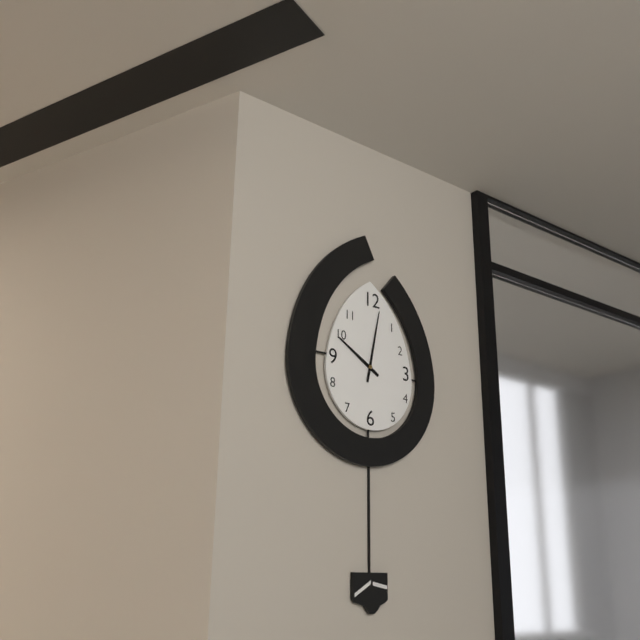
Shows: h=10 m=2
